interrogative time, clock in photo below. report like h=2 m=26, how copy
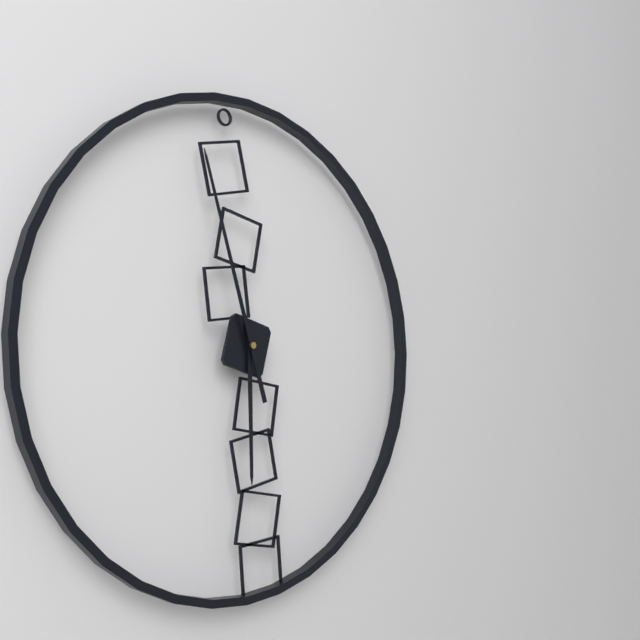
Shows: h=5 m=57
